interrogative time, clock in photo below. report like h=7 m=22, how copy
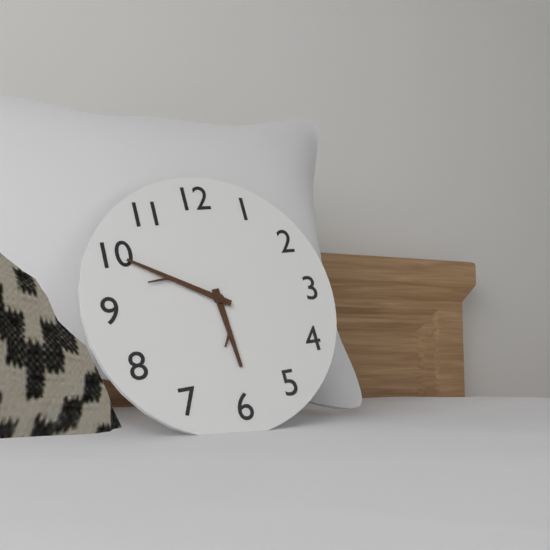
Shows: h=5 m=50
